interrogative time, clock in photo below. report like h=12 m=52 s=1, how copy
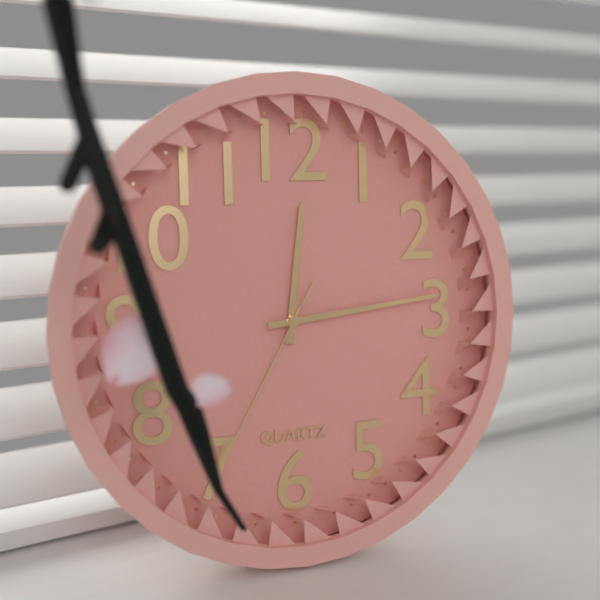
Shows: h=12 m=14 s=35
